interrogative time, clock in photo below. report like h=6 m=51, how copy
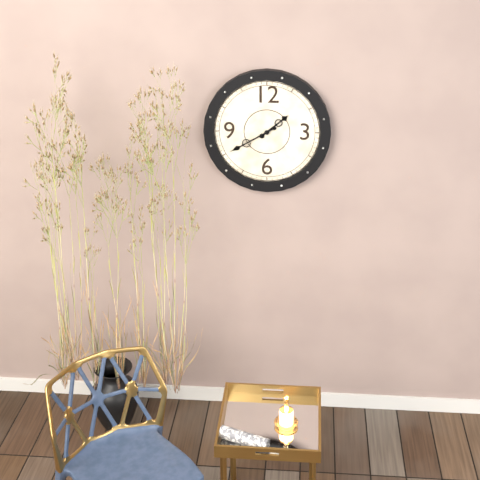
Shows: h=1 m=40
